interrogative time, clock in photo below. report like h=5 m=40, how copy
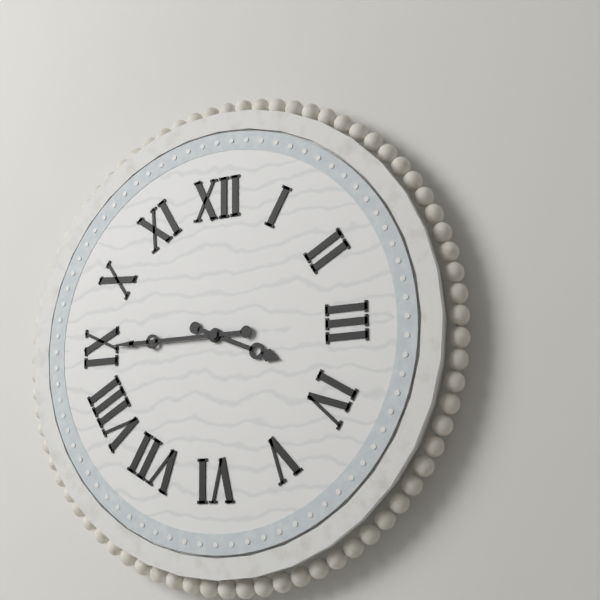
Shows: h=3 m=45
